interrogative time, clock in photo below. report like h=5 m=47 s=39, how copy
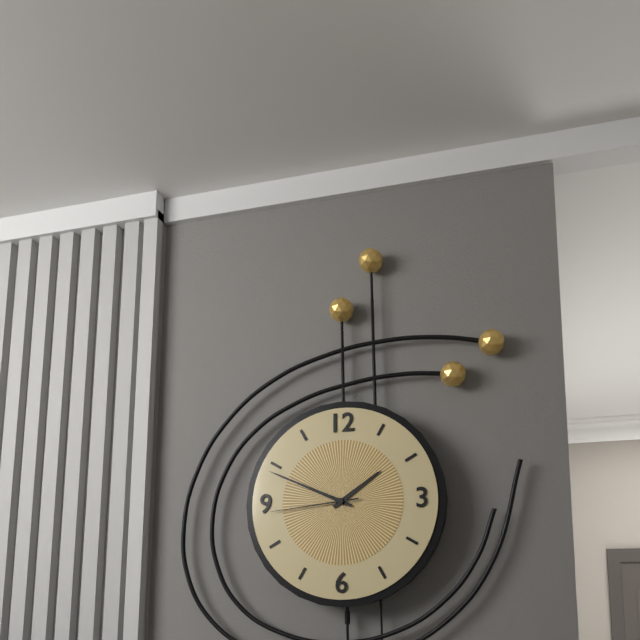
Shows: h=1 m=49 s=44
